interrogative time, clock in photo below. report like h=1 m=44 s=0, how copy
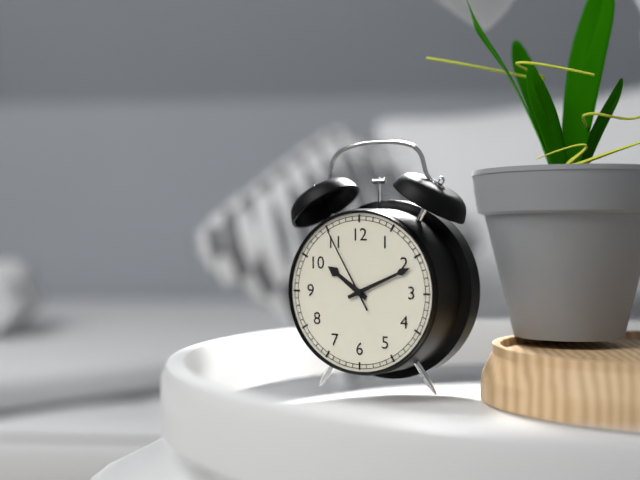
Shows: h=10 m=11 s=55
